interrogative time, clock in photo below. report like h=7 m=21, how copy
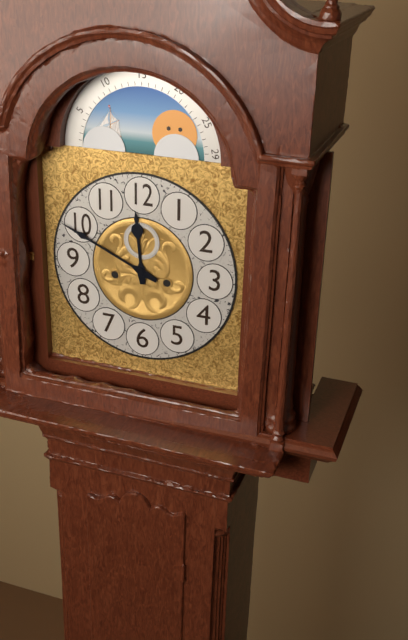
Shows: h=11 m=49
